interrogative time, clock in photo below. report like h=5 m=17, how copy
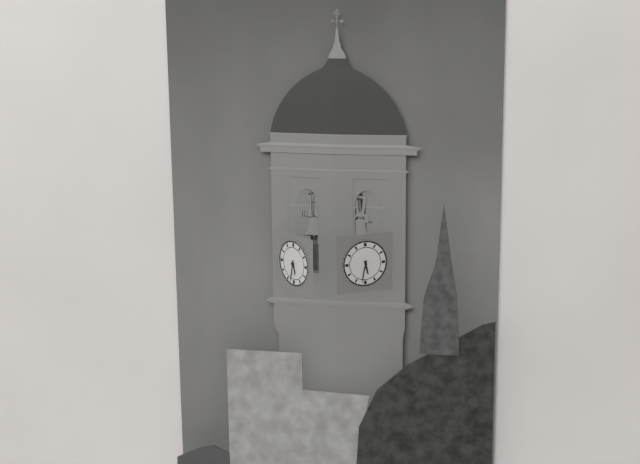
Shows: h=5 m=32
